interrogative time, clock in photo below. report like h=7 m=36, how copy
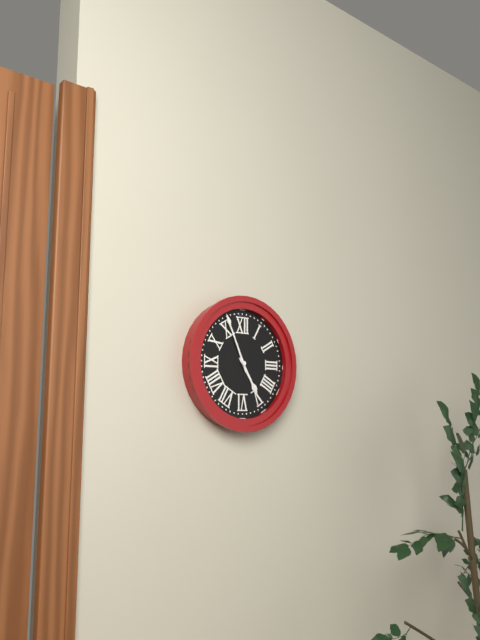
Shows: h=4 m=56
